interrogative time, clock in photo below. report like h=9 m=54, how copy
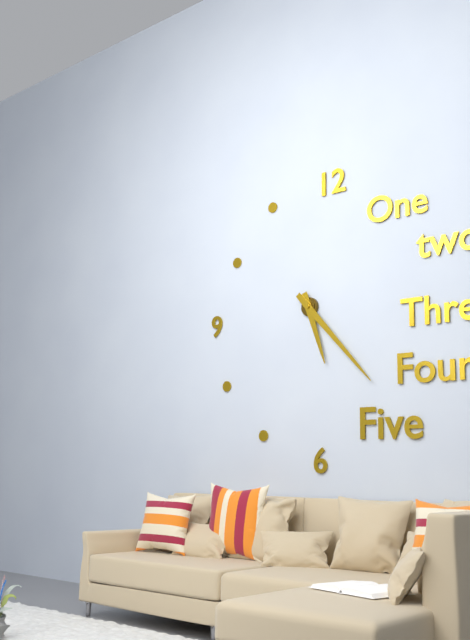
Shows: h=5 m=23
